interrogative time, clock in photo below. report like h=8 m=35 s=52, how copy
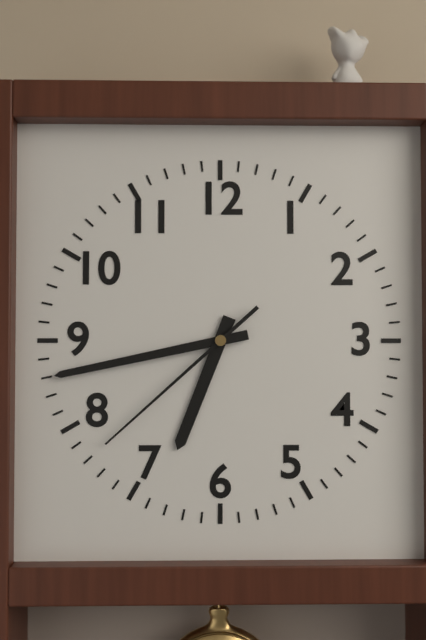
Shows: h=6 m=43 s=38
